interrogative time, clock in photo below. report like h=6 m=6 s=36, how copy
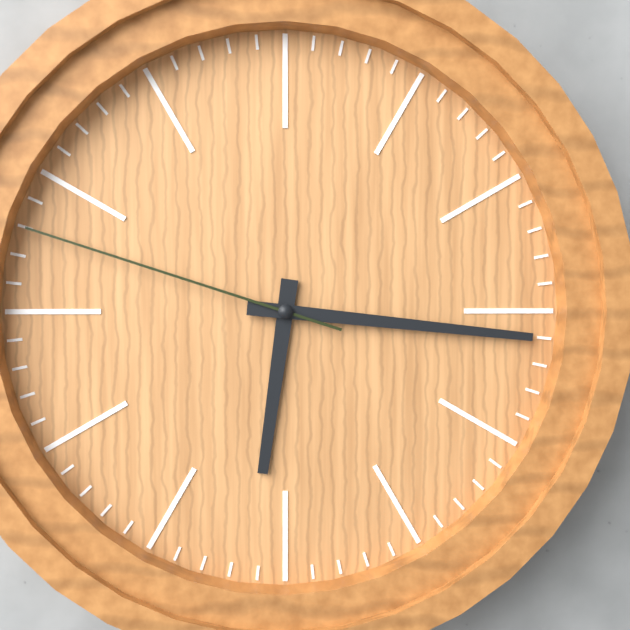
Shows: h=6 m=16 s=48
